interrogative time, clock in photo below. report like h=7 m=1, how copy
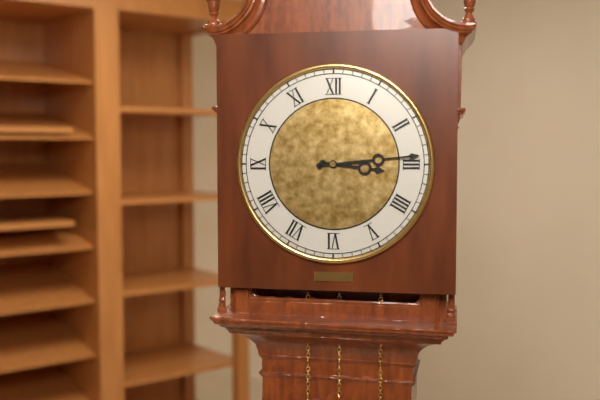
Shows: h=3 m=14
